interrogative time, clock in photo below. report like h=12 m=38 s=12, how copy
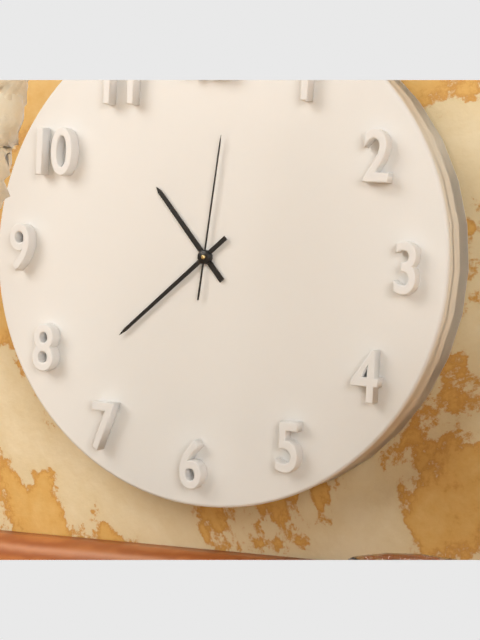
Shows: h=10 m=38 s=1
